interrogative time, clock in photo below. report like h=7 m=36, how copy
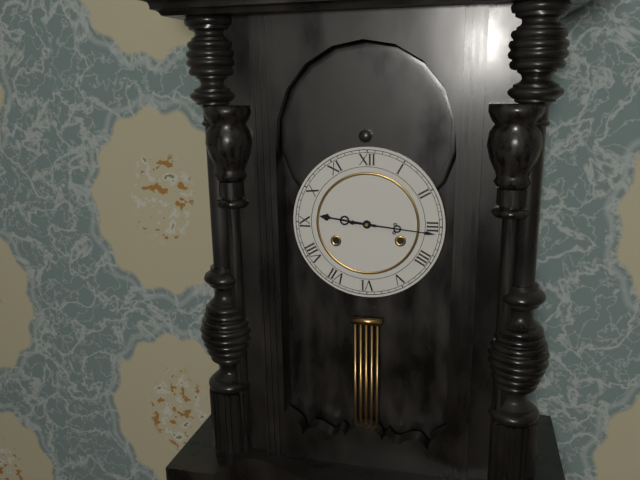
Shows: h=9 m=16
